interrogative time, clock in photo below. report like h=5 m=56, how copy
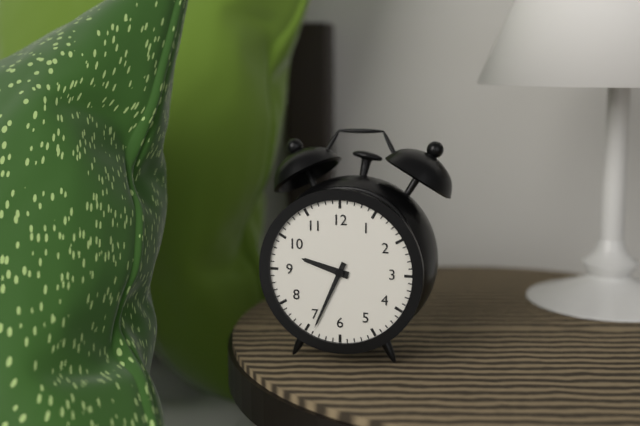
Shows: h=9 m=34
